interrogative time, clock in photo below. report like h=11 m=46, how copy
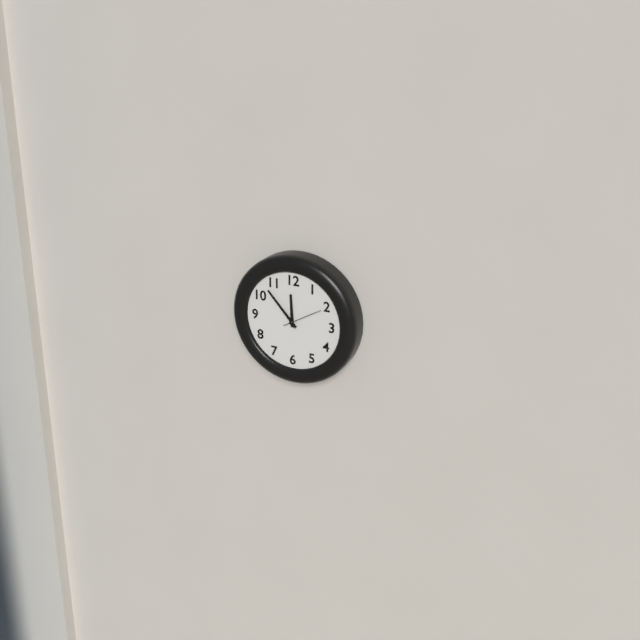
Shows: h=11 m=53
